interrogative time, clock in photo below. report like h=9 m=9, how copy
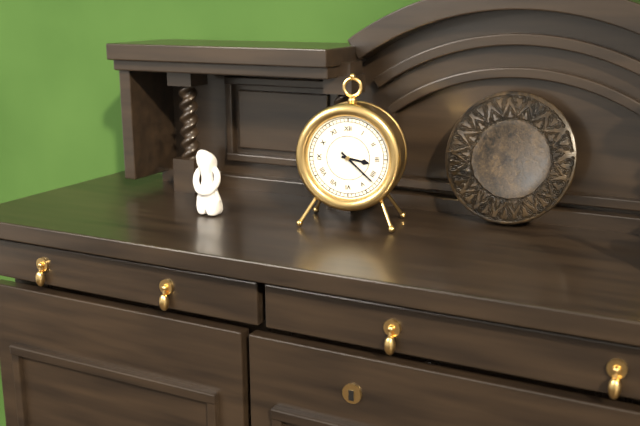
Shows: h=3 m=22
